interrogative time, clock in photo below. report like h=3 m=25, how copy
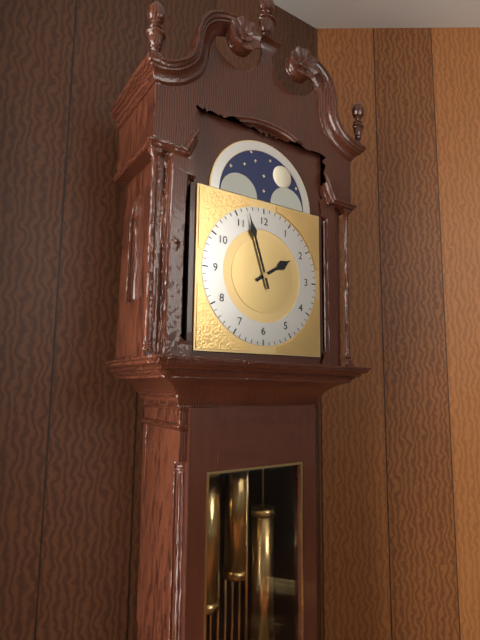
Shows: h=1 m=57
